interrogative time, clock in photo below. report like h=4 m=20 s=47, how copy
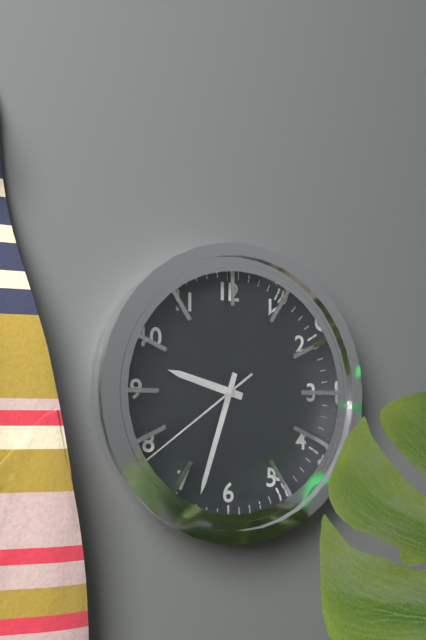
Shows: h=9 m=33 s=39
